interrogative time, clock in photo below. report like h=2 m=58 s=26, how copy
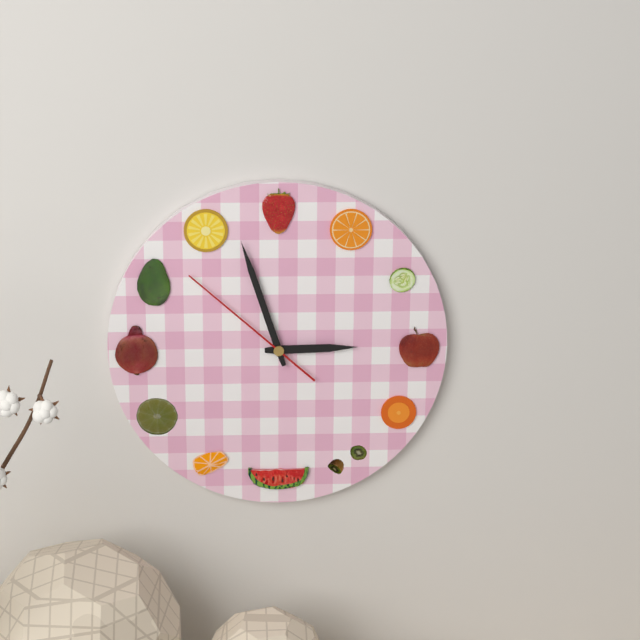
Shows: h=2 m=57 s=52
